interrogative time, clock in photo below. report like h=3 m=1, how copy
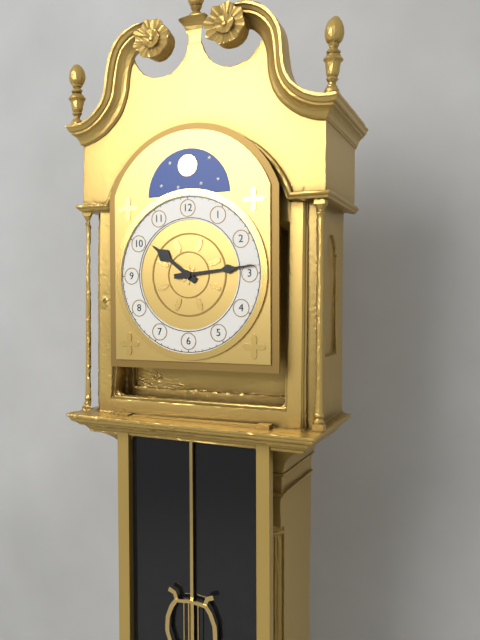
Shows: h=10 m=14
